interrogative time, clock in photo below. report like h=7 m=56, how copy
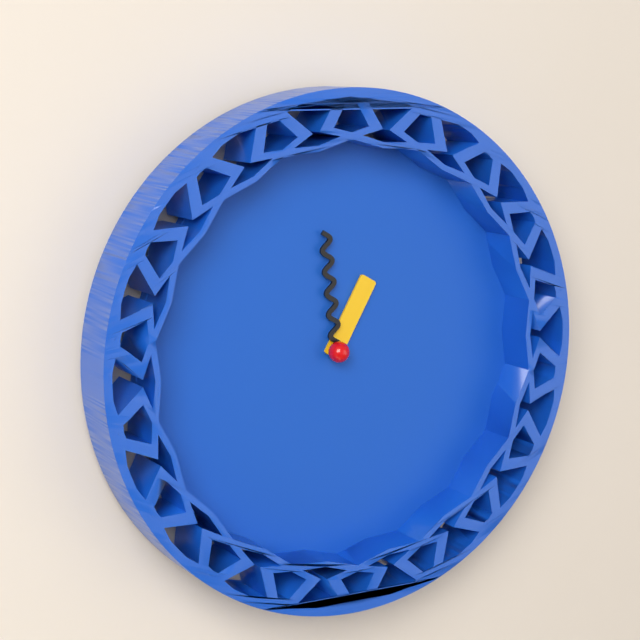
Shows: h=12 m=59
